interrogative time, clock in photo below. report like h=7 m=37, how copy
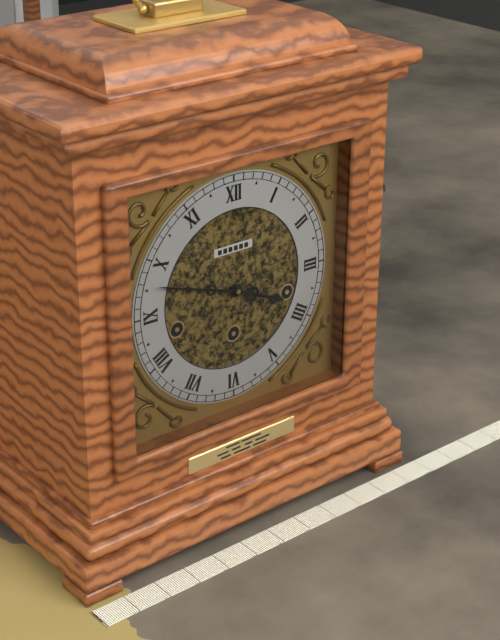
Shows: h=3 m=48
